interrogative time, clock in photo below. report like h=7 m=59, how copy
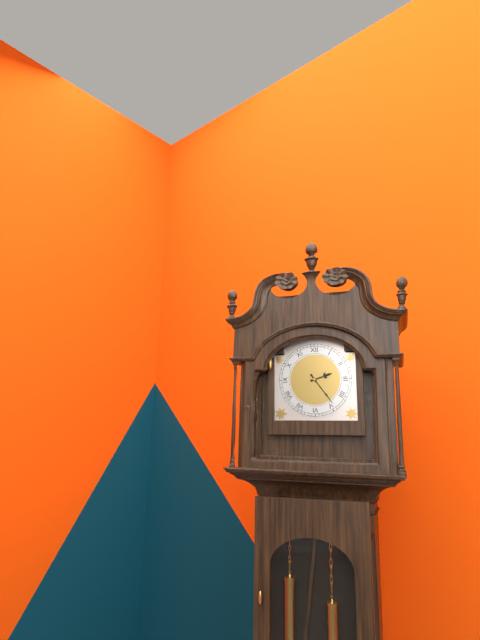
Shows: h=2 m=24
